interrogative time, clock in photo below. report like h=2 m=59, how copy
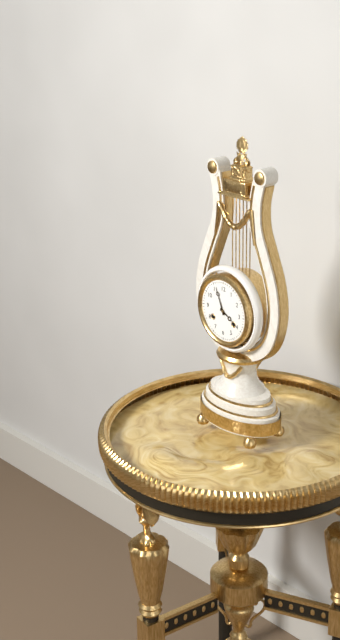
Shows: h=3 m=56
